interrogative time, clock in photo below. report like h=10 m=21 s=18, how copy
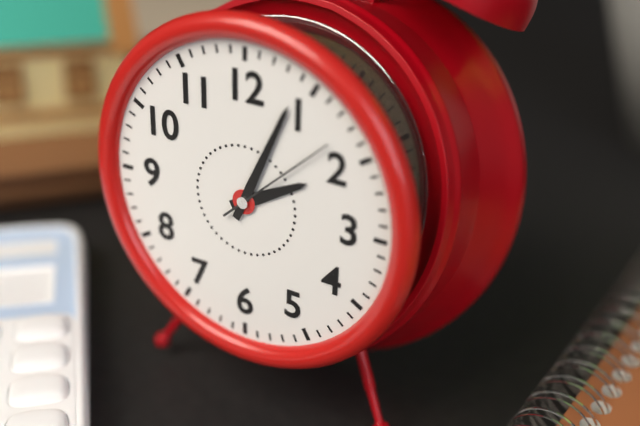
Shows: h=2 m=4 s=8
